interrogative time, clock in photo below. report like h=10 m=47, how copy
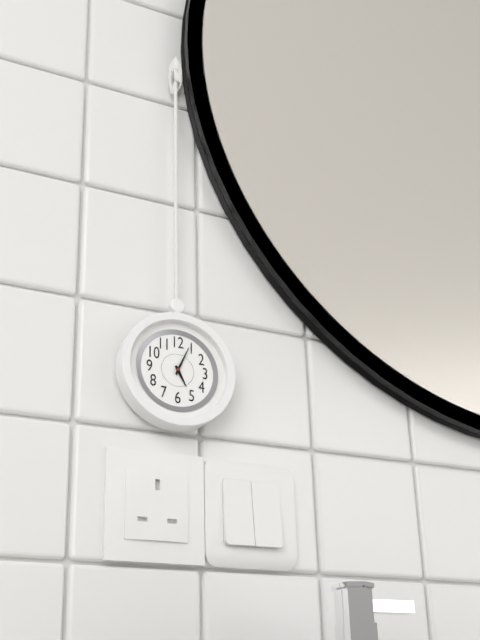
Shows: h=5 m=4
